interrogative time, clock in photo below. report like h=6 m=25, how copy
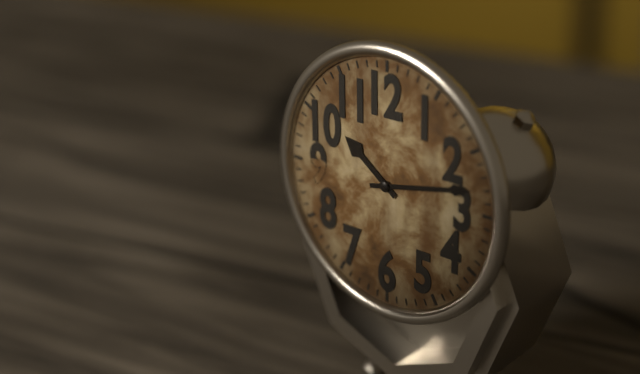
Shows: h=10 m=13
